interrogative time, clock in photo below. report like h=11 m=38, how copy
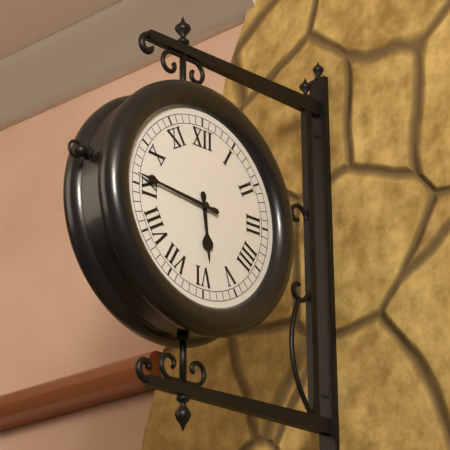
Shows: h=5 m=46
